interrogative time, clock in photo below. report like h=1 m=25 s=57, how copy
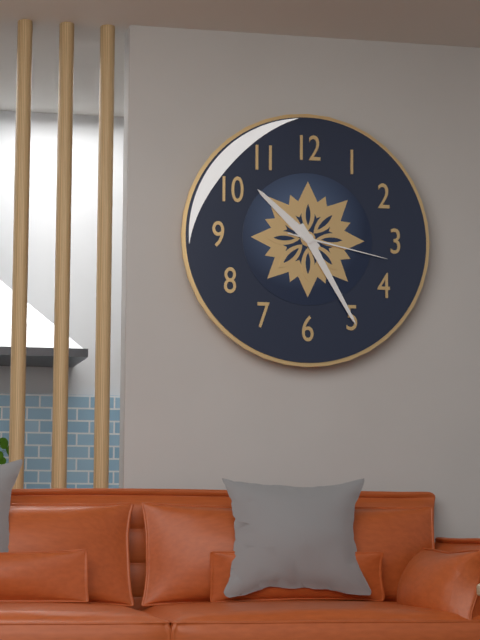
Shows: h=10 m=25 s=17
